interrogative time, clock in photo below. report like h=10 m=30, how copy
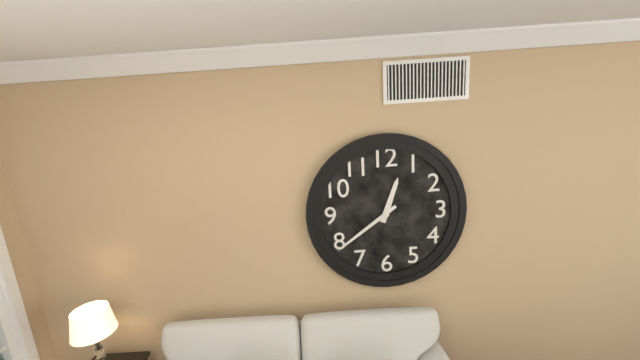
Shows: h=12 m=39
